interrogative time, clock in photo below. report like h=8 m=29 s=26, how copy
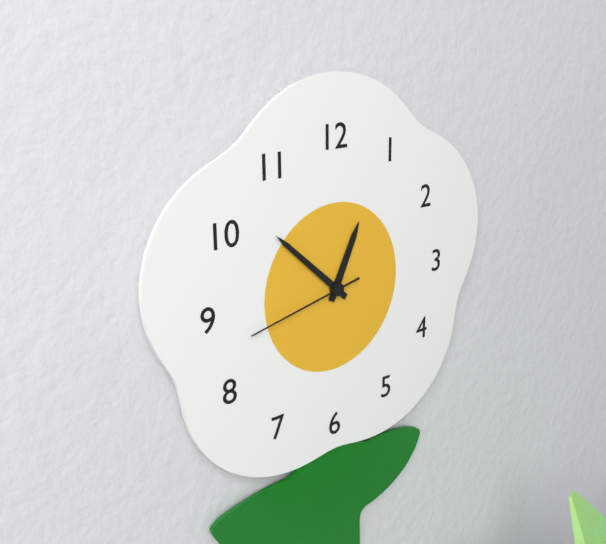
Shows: h=12 m=52 s=43
